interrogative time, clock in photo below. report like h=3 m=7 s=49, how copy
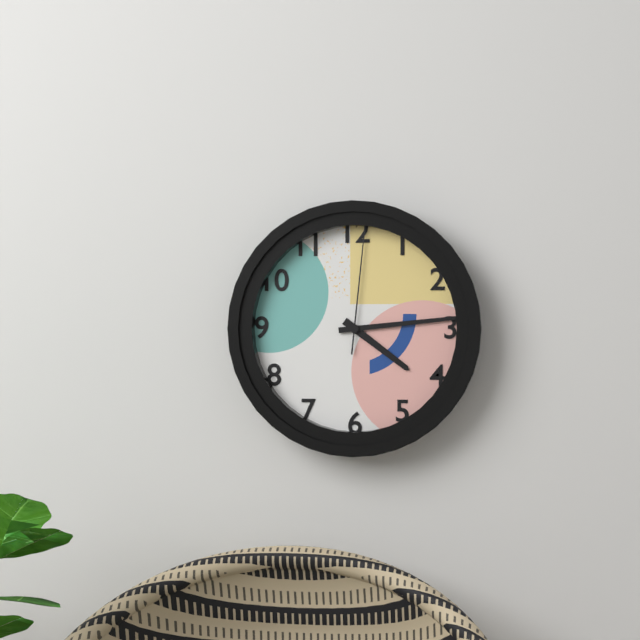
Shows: h=4 m=14 s=1
